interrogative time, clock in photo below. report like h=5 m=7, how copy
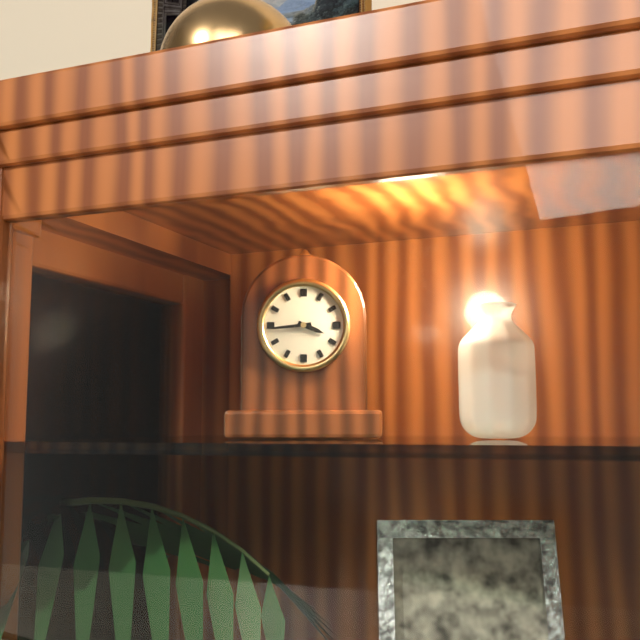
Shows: h=3 m=44
